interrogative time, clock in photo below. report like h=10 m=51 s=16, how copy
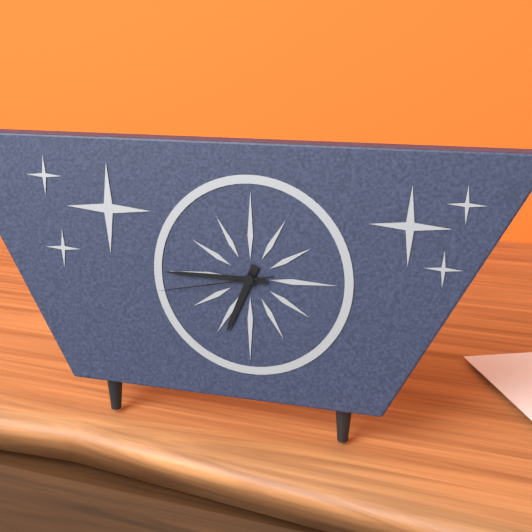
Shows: h=6 m=45 s=43
